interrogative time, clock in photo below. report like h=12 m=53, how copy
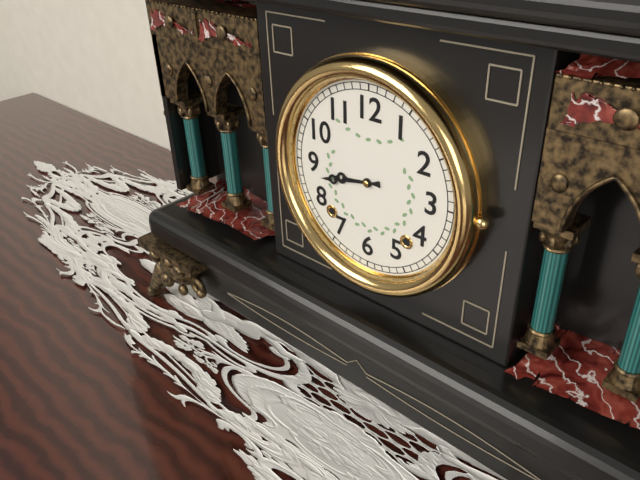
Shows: h=8 m=43
